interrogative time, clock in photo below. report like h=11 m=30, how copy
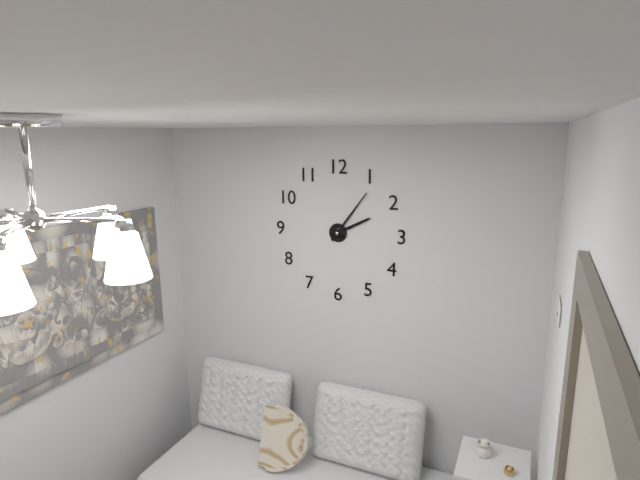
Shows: h=2 m=6
